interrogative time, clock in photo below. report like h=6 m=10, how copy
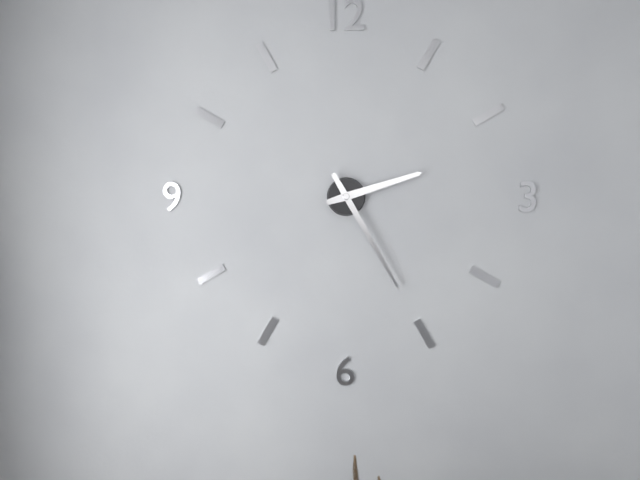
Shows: h=2 m=25
